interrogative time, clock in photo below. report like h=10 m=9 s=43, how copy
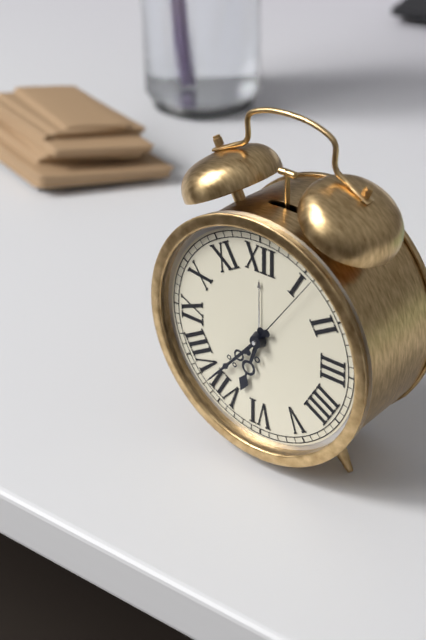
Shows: h=6 m=37 s=6
